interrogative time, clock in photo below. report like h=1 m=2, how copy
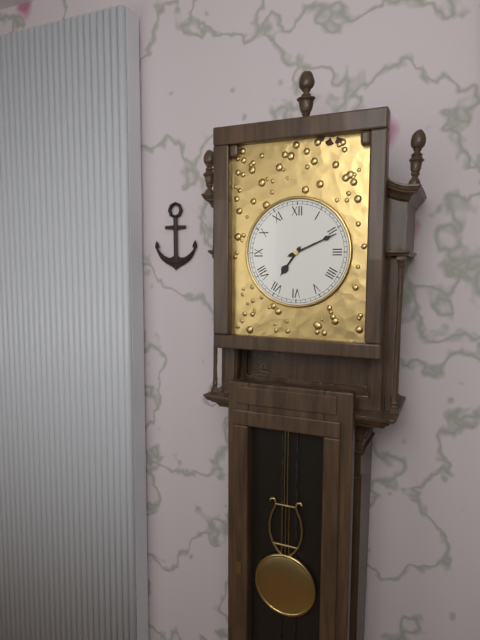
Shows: h=7 m=11
